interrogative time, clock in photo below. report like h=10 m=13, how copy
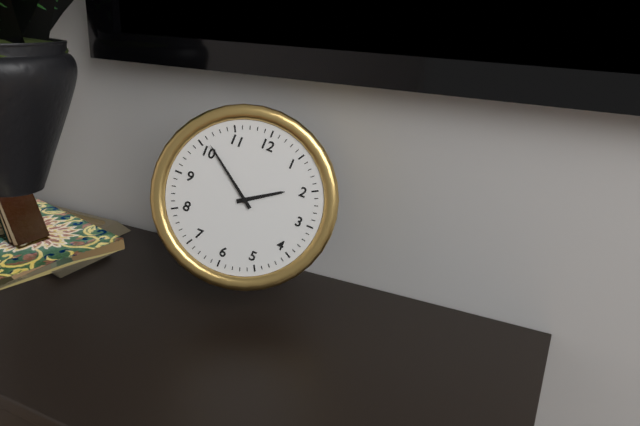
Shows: h=1 m=51
